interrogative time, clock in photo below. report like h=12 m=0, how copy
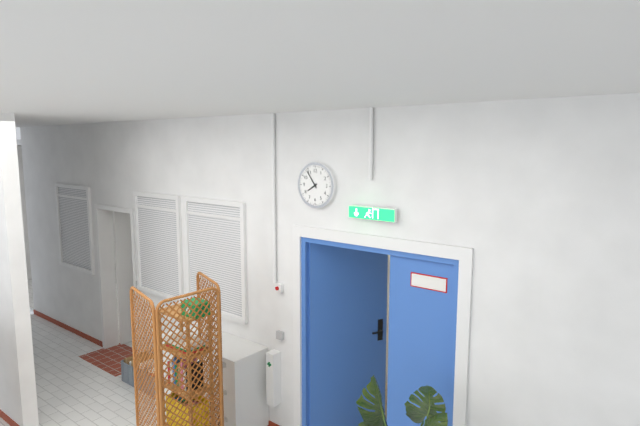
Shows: h=7 m=54
